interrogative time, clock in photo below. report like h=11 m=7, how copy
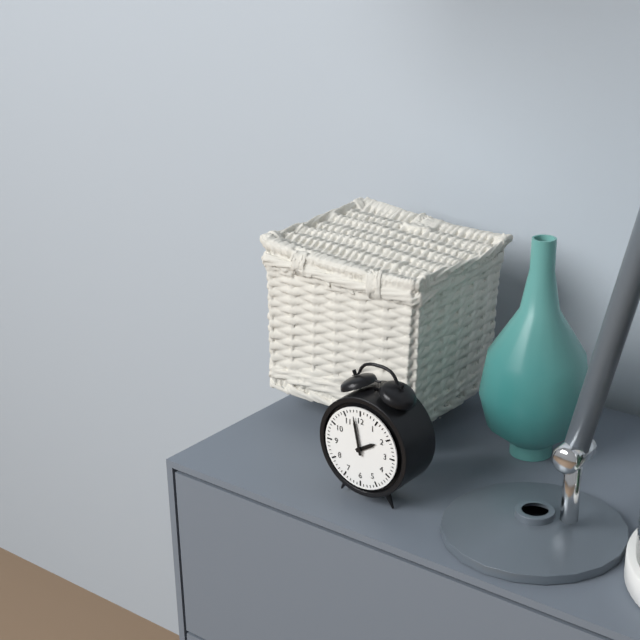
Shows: h=1 m=58
